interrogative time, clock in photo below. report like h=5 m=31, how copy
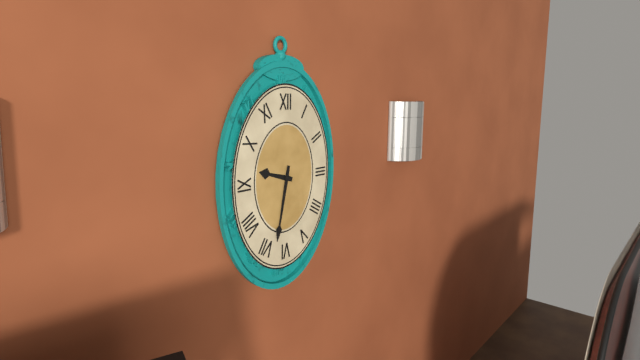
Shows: h=9 m=32
